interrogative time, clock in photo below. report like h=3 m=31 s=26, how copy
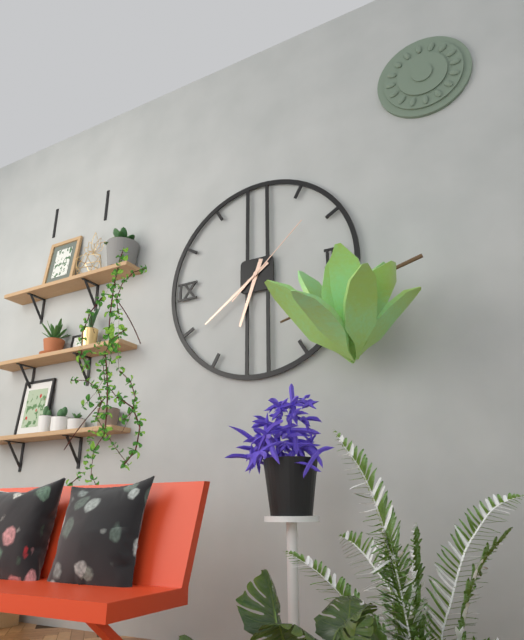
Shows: h=6 m=39 s=8
